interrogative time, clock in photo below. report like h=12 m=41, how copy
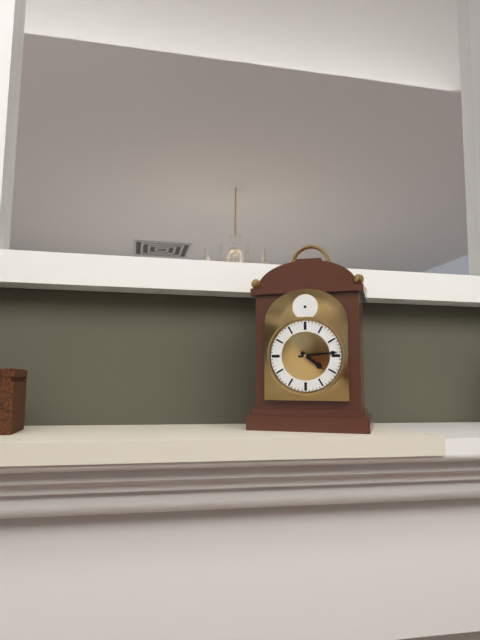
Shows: h=4 m=14
